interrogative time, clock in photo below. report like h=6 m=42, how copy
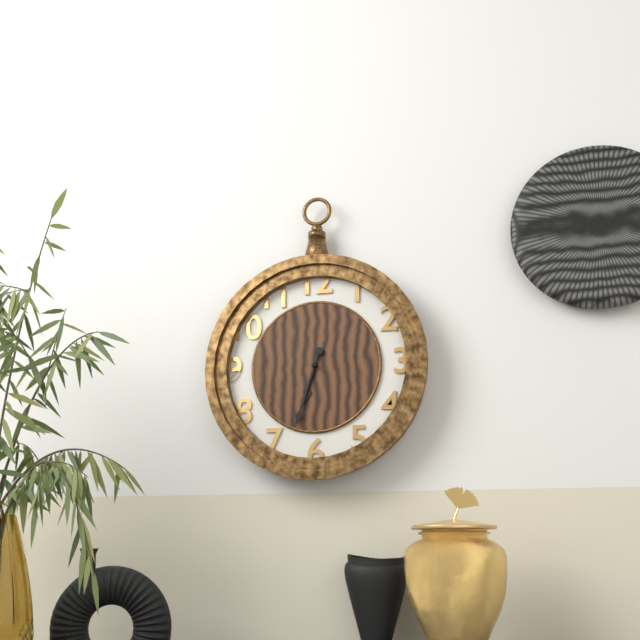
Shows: h=6 m=33
